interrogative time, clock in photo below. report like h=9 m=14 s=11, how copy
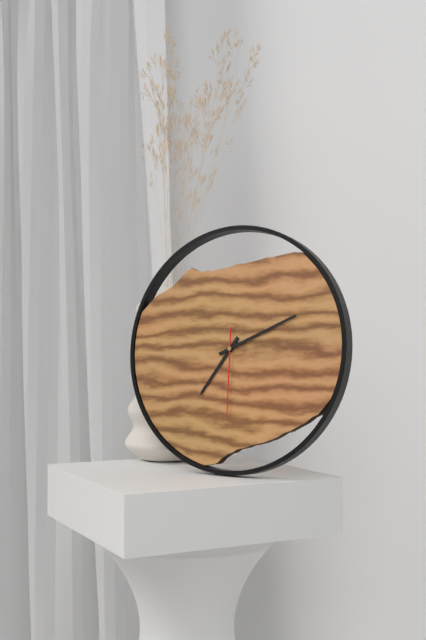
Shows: h=7 m=11 s=30
